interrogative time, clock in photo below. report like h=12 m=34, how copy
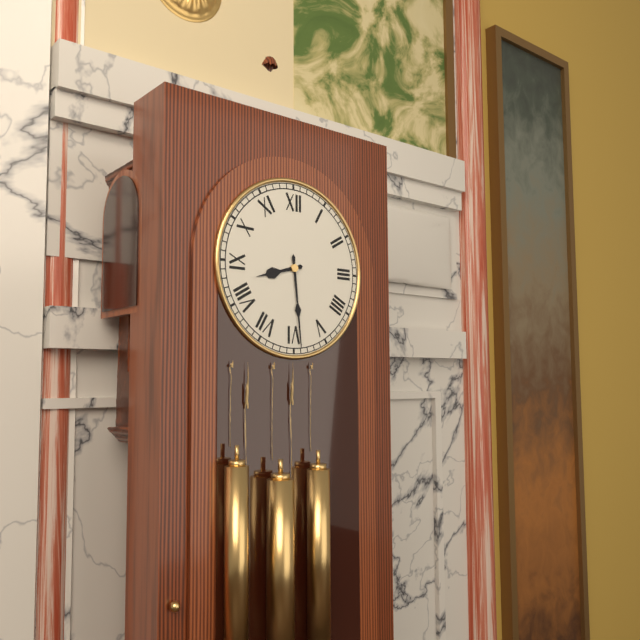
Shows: h=8 m=29
